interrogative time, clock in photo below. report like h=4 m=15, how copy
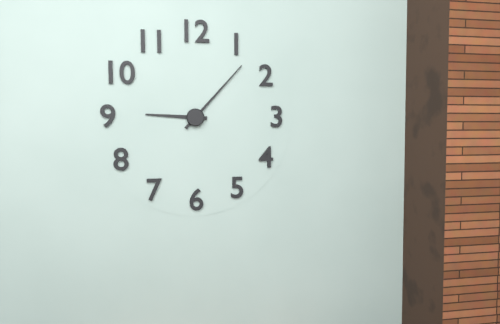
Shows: h=9 m=7
